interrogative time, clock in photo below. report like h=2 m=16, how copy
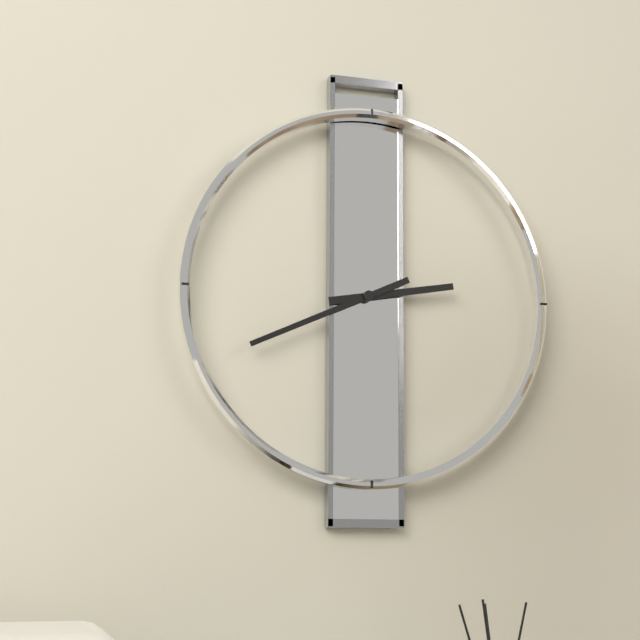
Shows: h=2 m=41
